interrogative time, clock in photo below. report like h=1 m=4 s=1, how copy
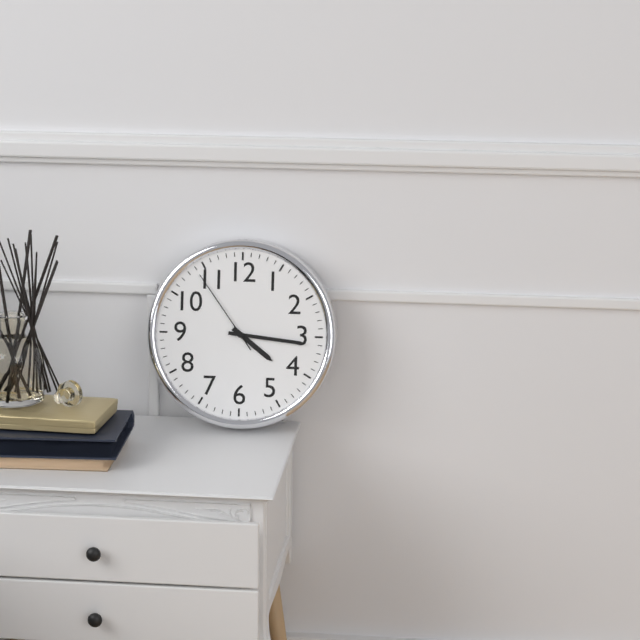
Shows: h=4 m=16 s=54
